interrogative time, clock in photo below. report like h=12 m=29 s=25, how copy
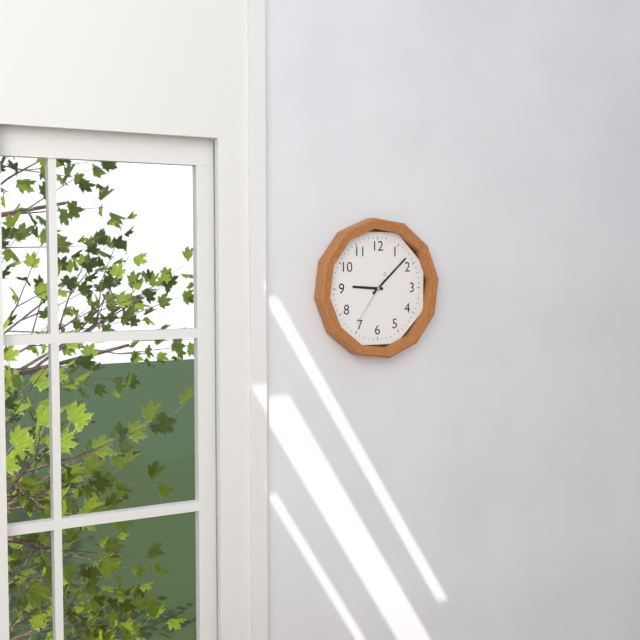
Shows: h=9 m=8 s=36
